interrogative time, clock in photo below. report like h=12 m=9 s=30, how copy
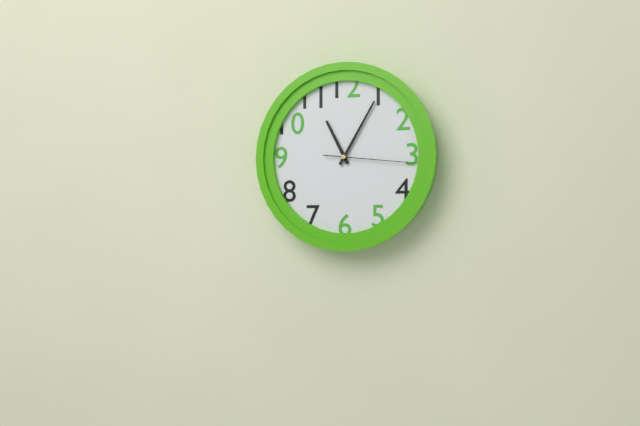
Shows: h=11 m=5 s=16
